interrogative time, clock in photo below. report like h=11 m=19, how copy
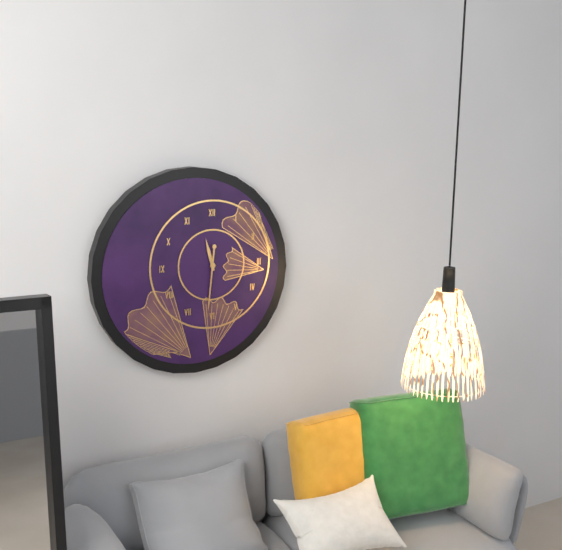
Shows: h=11 m=31
